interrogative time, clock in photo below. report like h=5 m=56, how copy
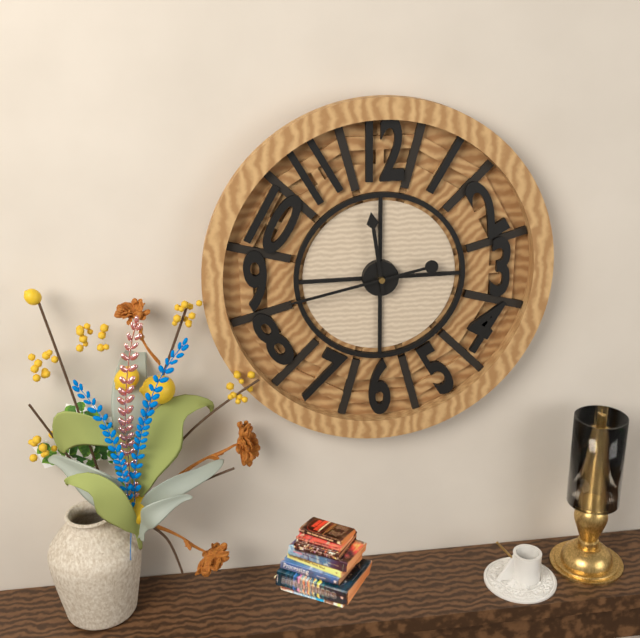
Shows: h=11 m=43
